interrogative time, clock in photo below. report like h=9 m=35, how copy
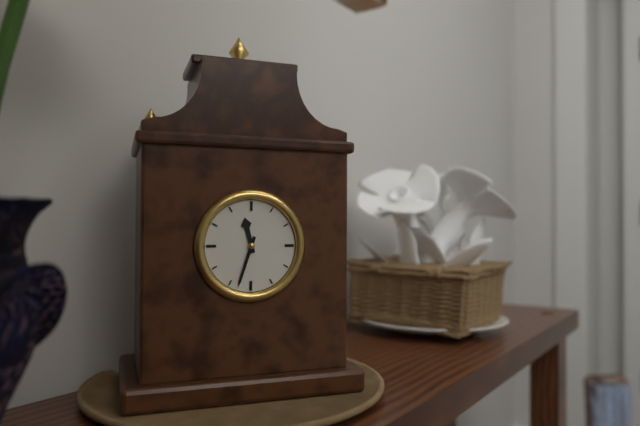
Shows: h=11 m=33
